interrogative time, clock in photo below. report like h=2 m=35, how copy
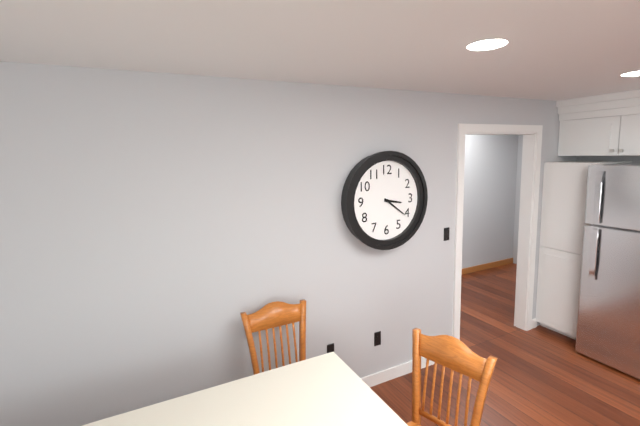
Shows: h=3 m=21
